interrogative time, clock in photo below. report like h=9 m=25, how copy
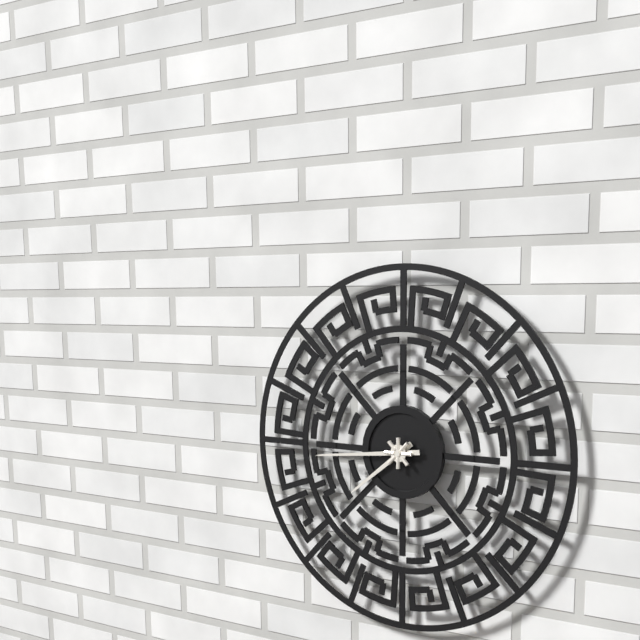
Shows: h=7 m=44
